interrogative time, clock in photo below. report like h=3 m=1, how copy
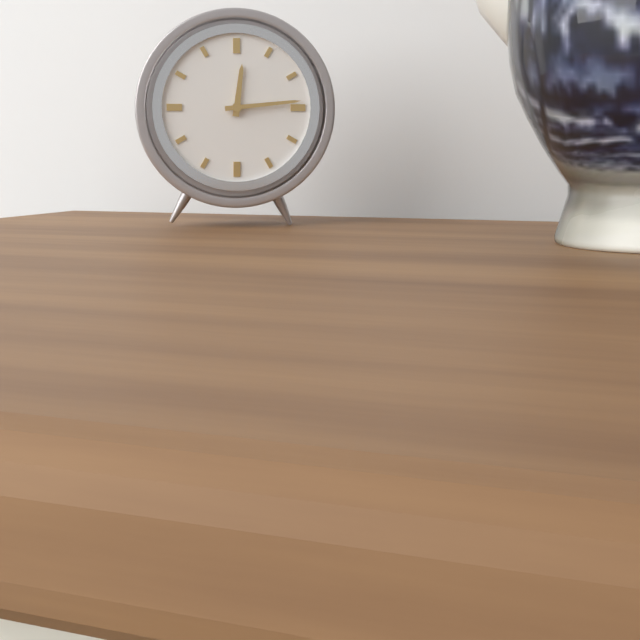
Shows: h=12 m=14
